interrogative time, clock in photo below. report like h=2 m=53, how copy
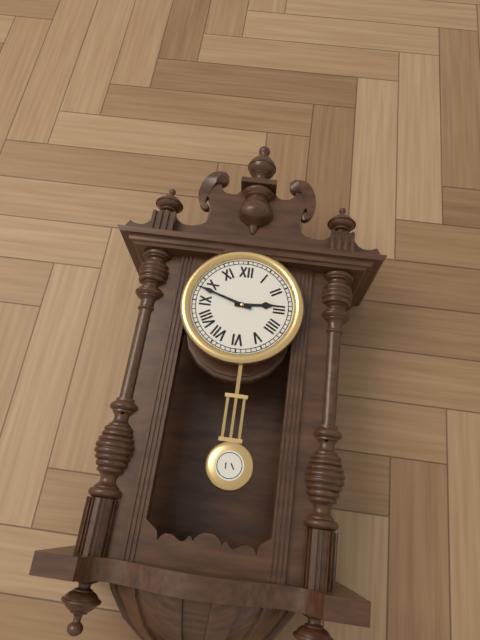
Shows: h=2 m=48
